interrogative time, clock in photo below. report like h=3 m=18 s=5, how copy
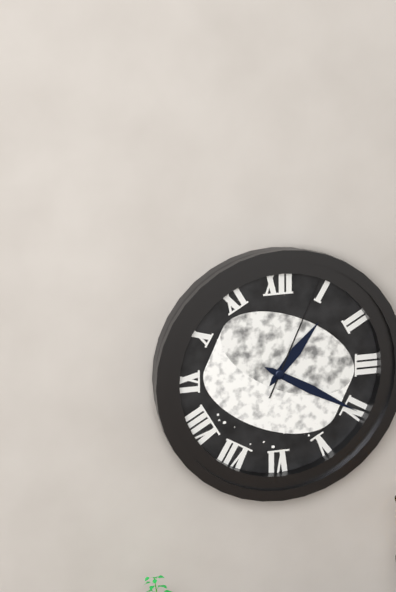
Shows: h=1 m=20 s=4
